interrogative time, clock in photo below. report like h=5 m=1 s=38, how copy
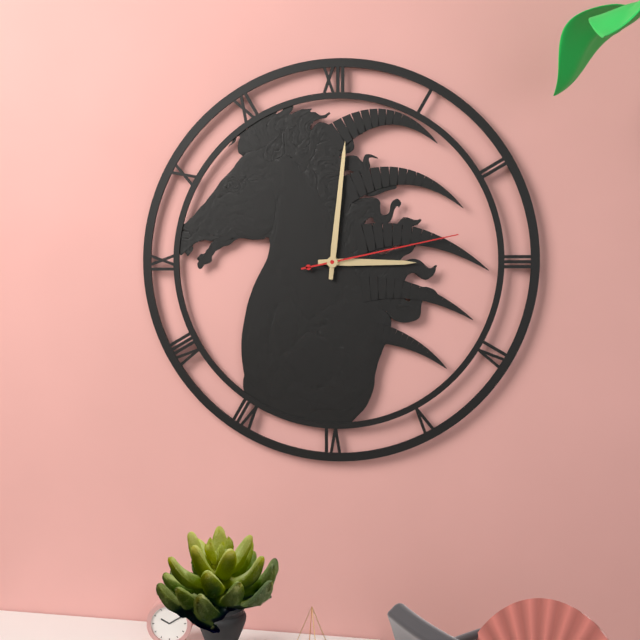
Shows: h=3 m=1 s=13
